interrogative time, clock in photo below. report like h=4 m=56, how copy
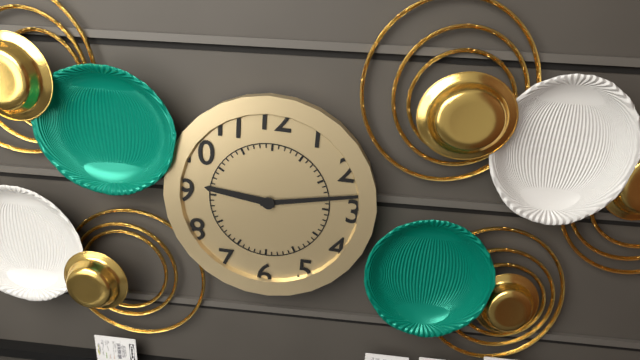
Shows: h=9 m=13
